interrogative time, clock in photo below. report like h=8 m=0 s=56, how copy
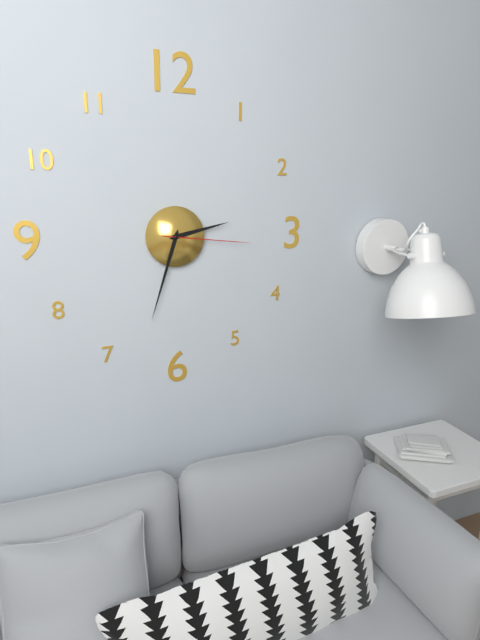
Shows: h=2 m=33 s=16
